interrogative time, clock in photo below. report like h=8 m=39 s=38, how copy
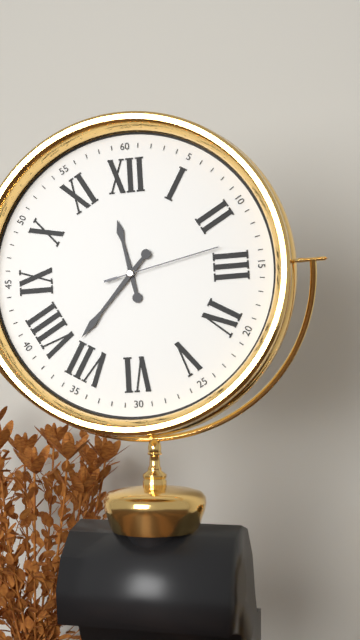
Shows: h=11 m=37 s=13
